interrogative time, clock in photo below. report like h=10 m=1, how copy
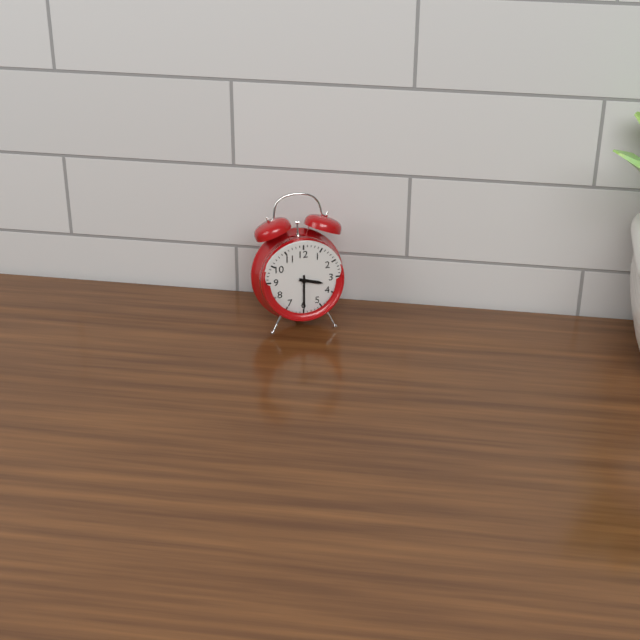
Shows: h=3 m=30
